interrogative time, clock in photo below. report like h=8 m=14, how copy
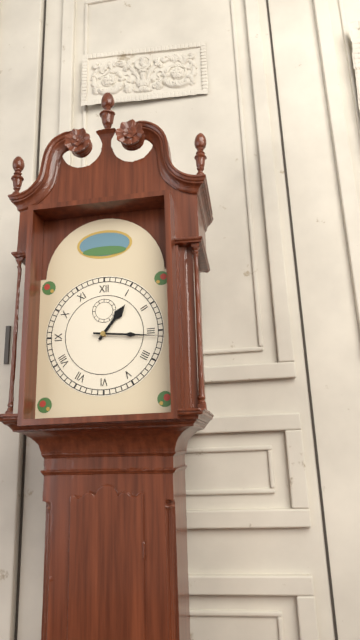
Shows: h=1 m=16
